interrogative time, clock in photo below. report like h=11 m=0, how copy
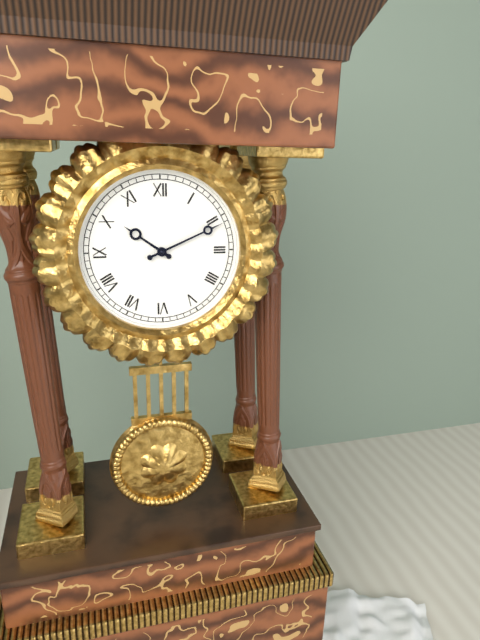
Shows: h=10 m=11
